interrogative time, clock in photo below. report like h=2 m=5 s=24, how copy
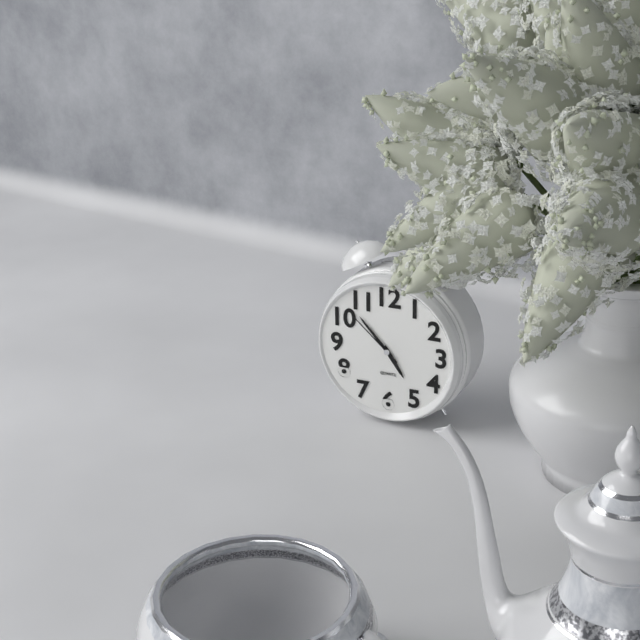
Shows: h=4 m=53 s=52
